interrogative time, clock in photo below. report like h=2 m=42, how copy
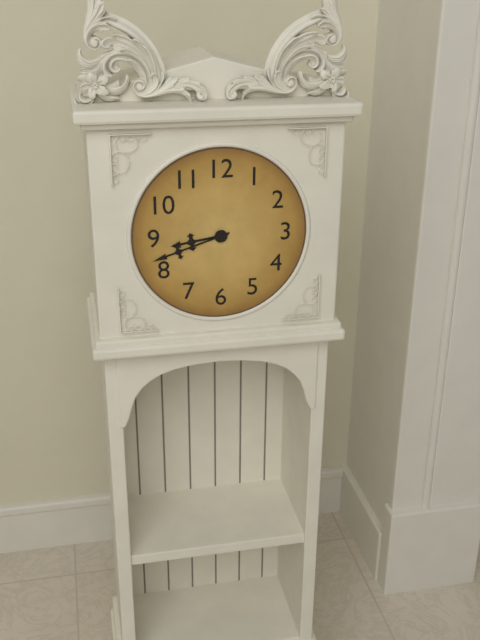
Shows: h=8 m=42
